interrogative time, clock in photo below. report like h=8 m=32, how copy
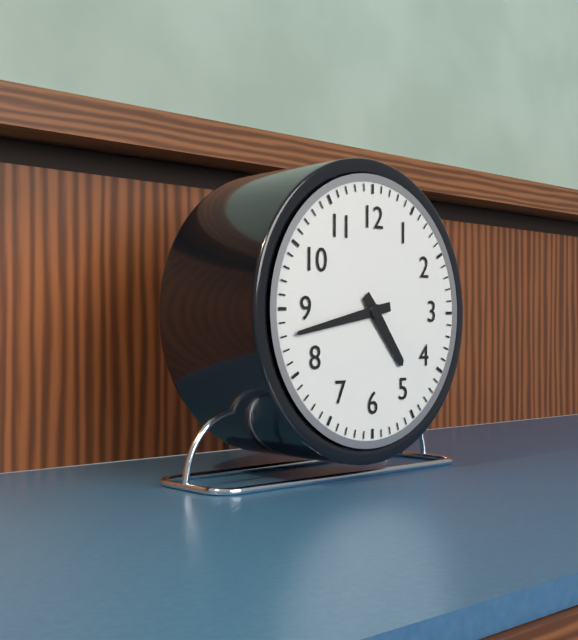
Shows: h=4 m=43
